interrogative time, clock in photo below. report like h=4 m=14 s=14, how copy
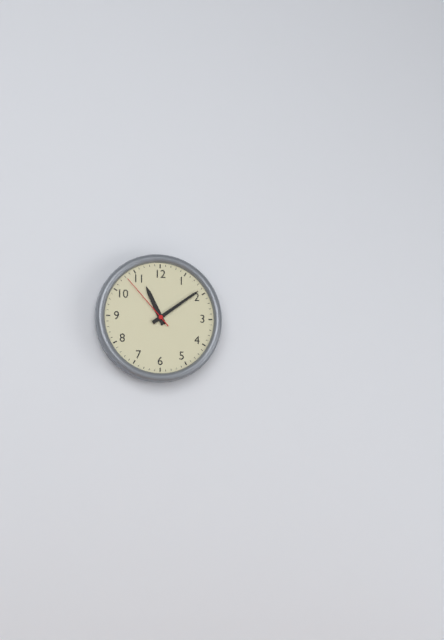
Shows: h=11 m=9 s=53
